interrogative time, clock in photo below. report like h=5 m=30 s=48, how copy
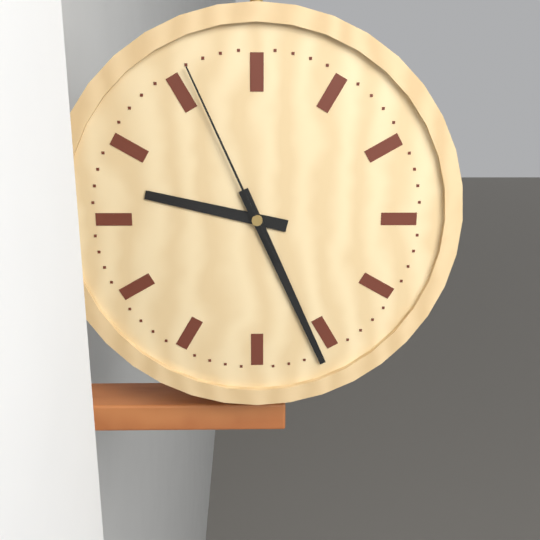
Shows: h=9 m=26 s=56
